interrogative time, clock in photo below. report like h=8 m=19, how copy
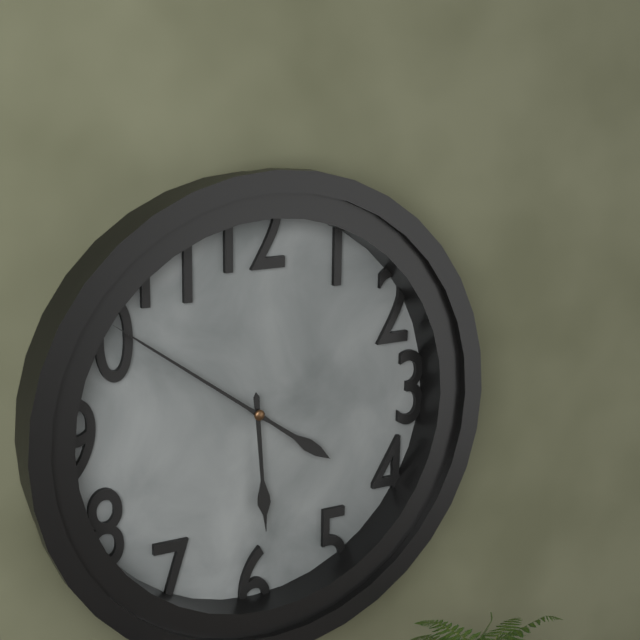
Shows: h=5 m=51
